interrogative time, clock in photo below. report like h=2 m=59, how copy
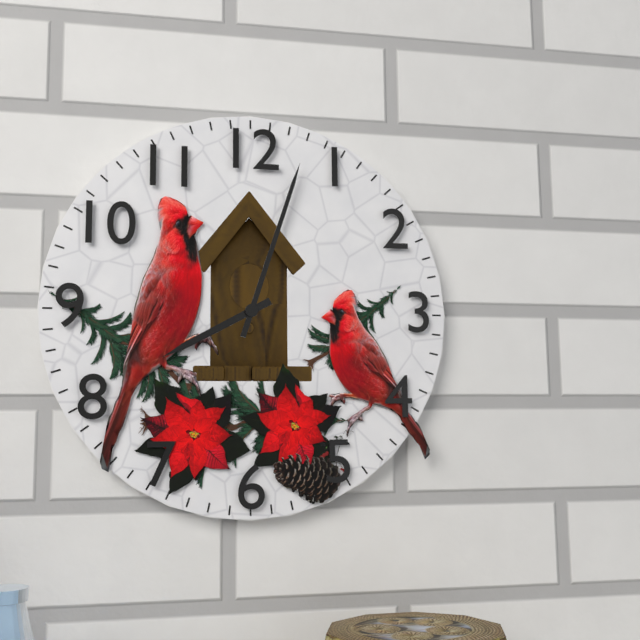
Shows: h=8 m=3
